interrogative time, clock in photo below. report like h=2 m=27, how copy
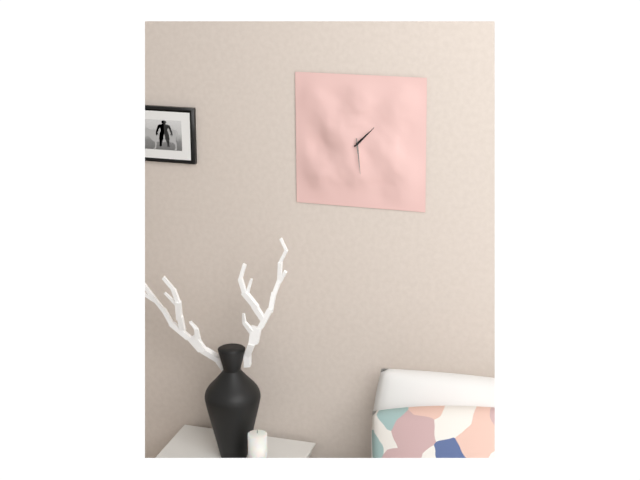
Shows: h=1 m=29
